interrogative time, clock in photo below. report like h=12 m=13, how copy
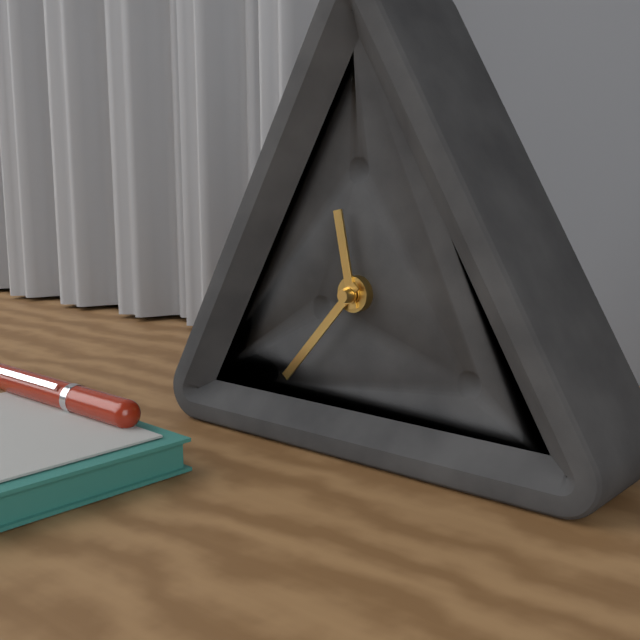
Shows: h=11 m=37
